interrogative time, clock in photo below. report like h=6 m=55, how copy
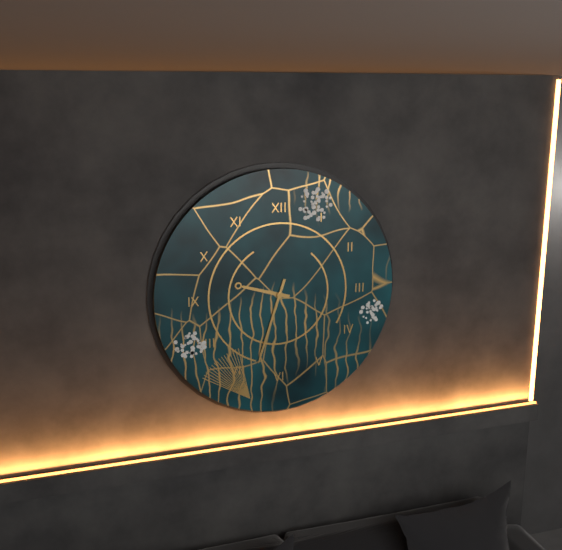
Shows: h=9 m=33
